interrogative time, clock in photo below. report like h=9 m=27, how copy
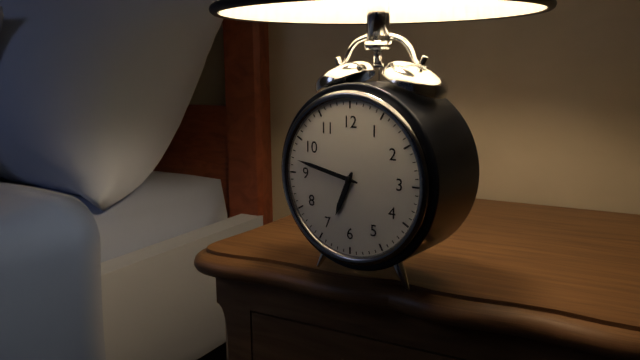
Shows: h=6 m=47
